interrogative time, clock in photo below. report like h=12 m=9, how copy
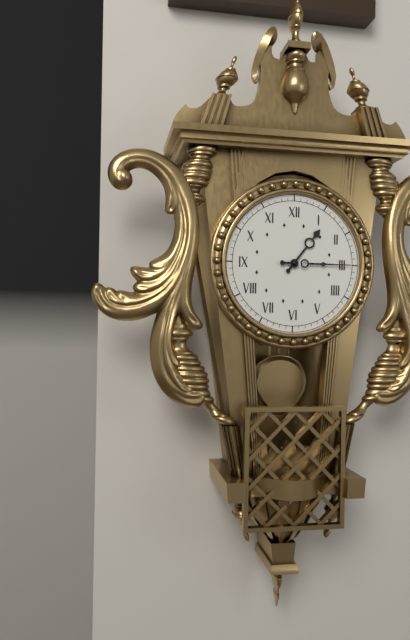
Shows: h=1 m=15
